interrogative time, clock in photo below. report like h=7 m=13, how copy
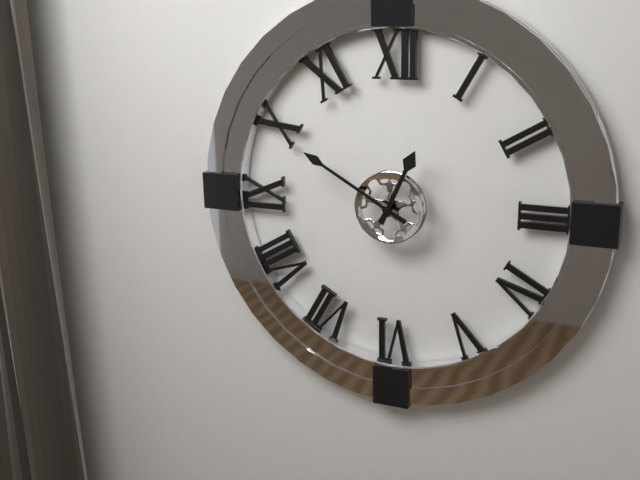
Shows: h=12 m=50
